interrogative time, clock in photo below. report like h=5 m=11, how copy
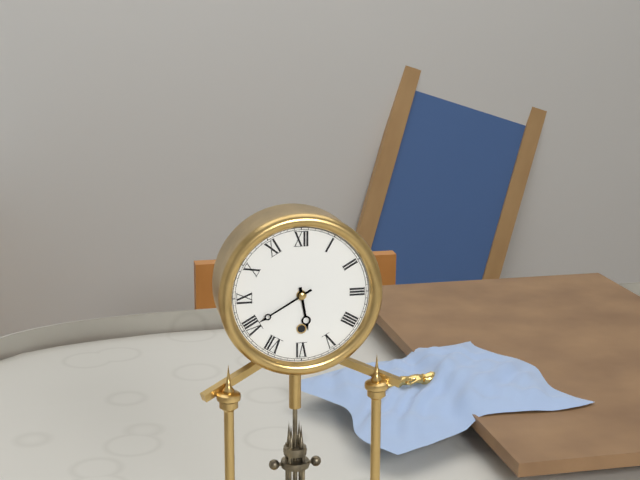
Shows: h=5 m=40
